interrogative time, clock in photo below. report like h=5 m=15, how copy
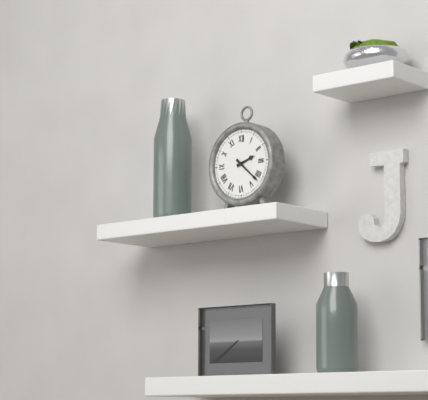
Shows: h=2 m=22
